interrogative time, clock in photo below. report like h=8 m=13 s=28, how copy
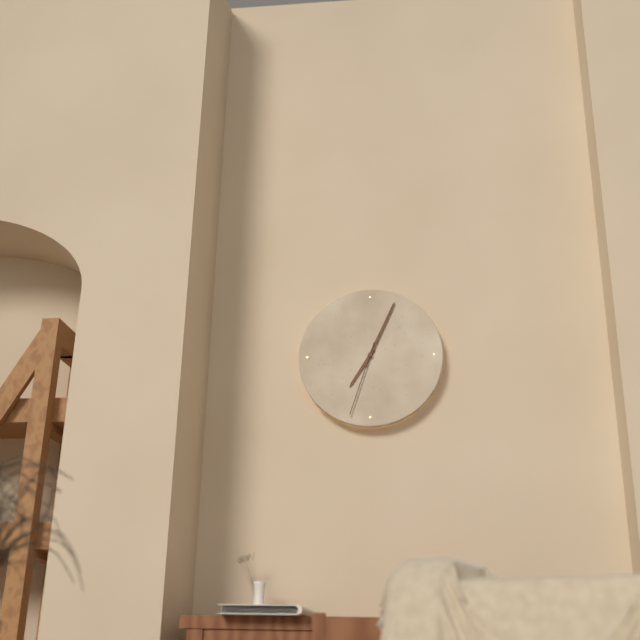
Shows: h=7 m=4 s=33
